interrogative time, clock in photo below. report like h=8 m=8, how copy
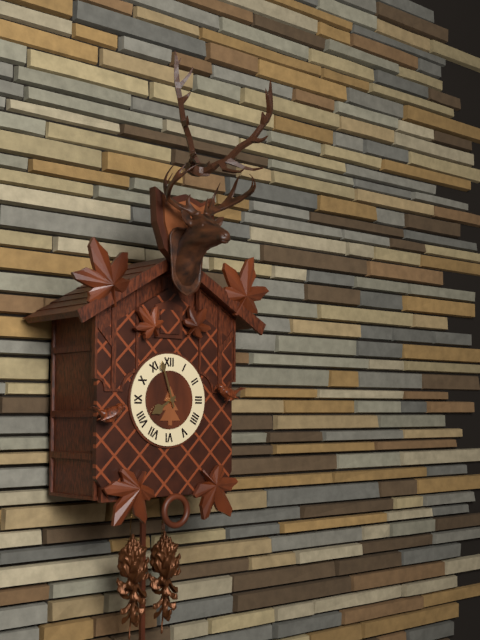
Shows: h=7 m=57
